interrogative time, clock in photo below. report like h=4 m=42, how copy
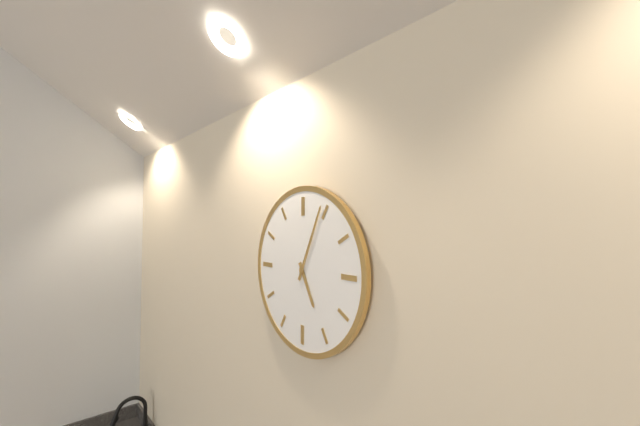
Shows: h=5 m=4
